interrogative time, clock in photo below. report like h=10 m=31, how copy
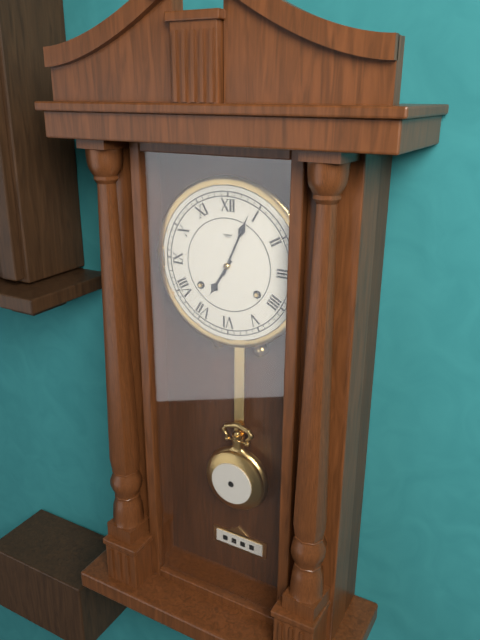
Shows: h=7 m=4
